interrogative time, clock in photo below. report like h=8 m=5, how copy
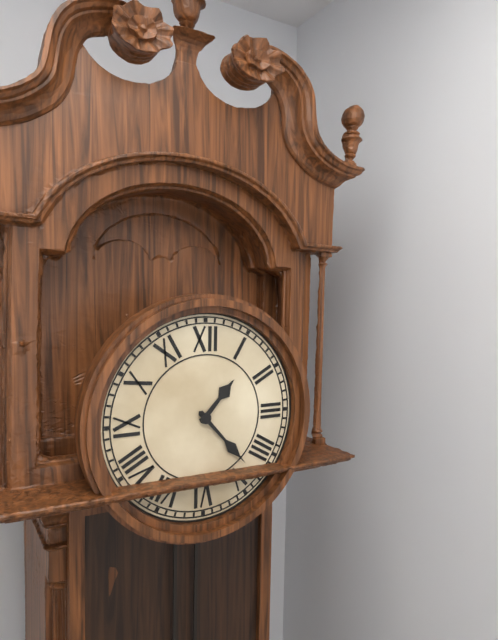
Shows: h=1 m=23
